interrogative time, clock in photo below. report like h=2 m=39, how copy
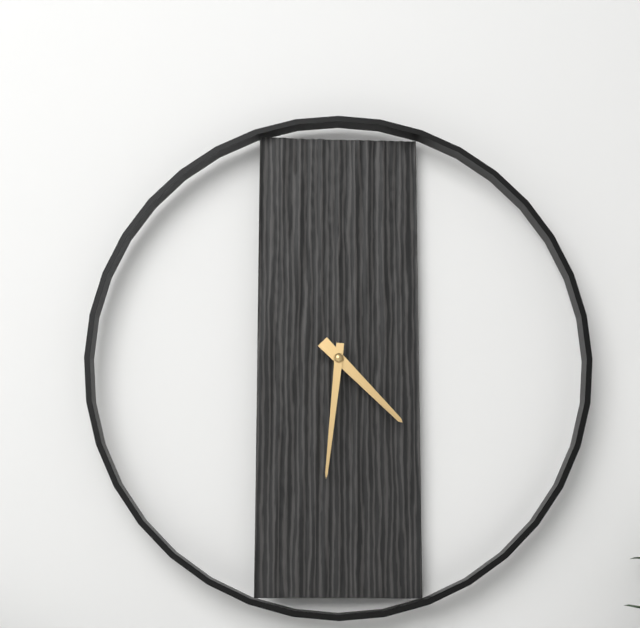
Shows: h=4 m=31
